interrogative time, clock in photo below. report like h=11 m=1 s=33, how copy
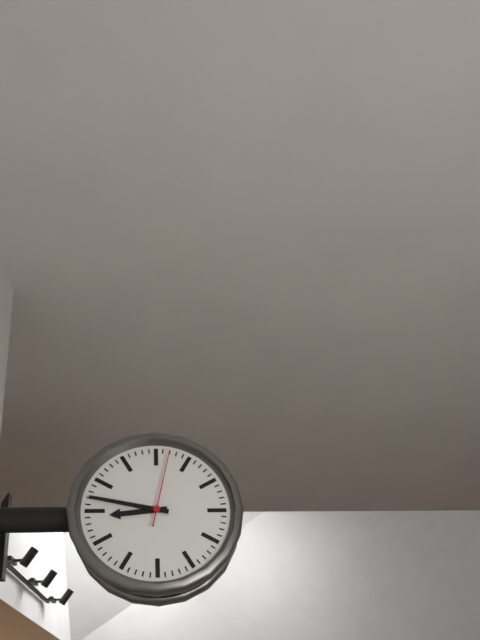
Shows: h=8 m=47 s=2
